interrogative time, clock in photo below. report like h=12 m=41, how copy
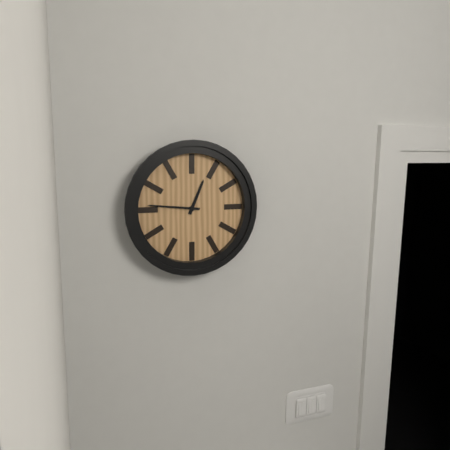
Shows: h=12 m=46
